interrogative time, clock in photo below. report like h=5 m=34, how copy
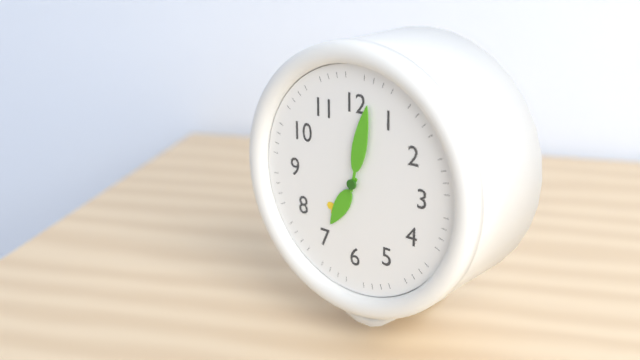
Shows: h=7 m=2
